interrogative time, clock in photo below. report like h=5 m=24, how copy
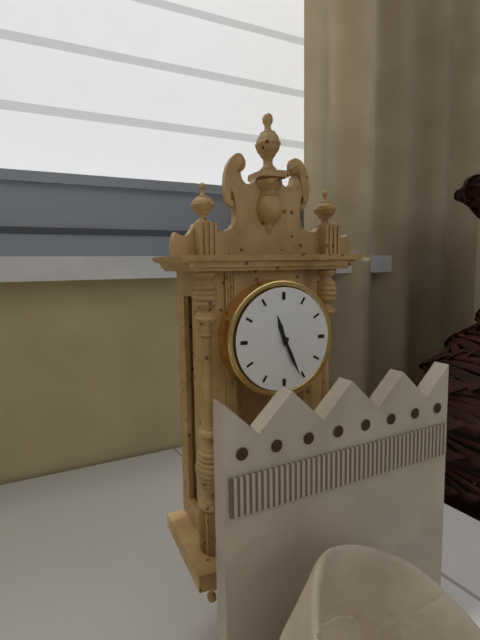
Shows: h=11 m=26
